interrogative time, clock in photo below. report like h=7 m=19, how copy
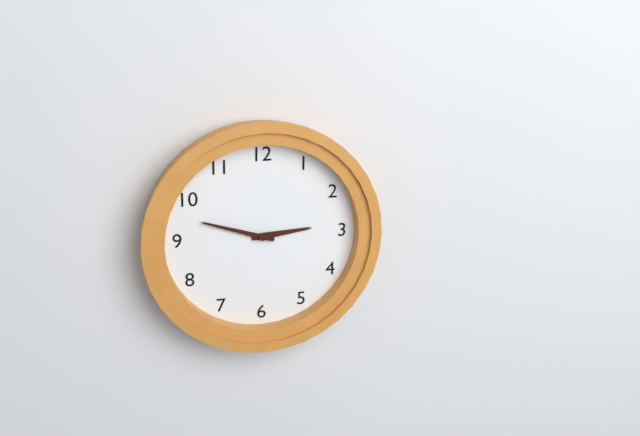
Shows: h=2 m=48
